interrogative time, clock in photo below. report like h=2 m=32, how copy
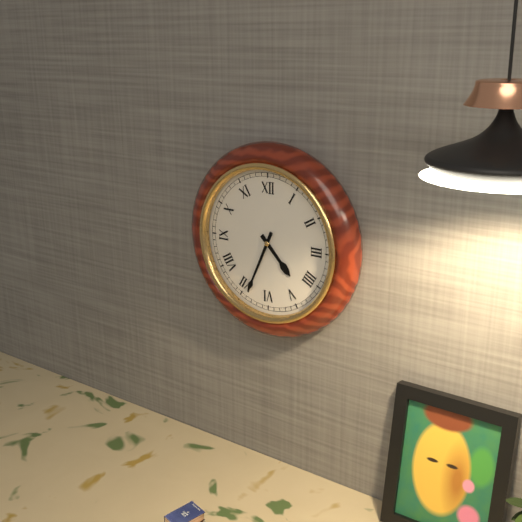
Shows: h=4 m=34
